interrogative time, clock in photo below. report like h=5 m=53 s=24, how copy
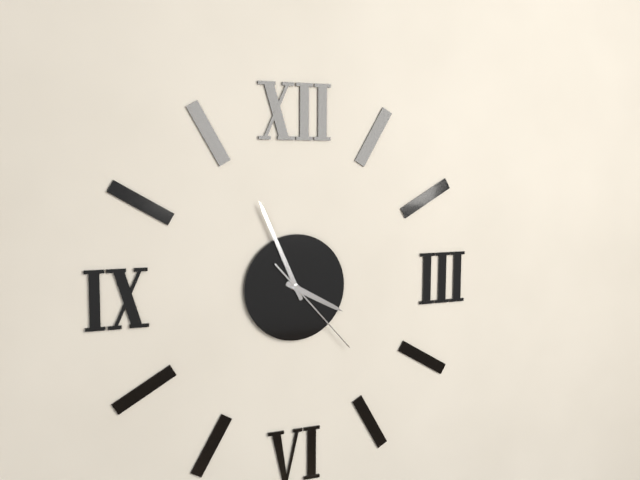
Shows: h=3 m=56 s=23
